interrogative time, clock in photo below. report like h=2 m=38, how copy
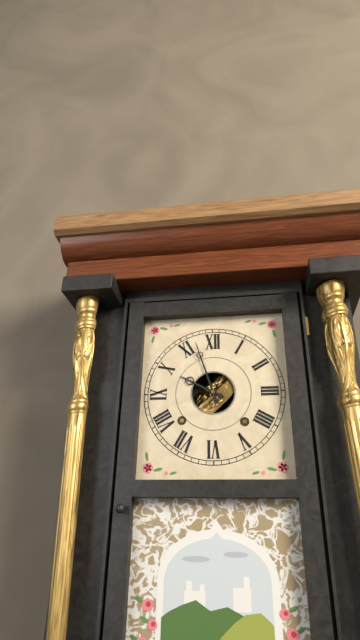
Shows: h=9 m=57
